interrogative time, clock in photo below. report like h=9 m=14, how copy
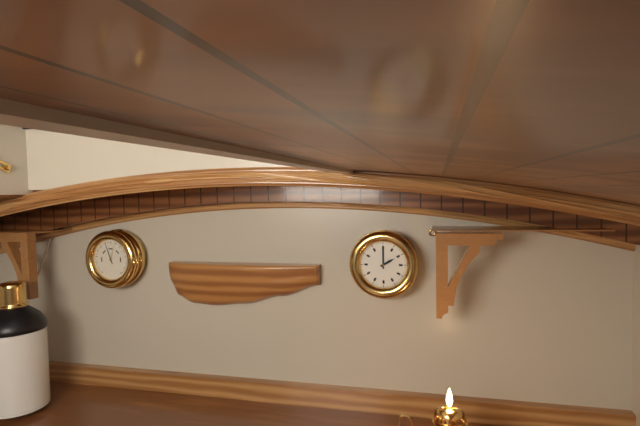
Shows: h=2 m=0
